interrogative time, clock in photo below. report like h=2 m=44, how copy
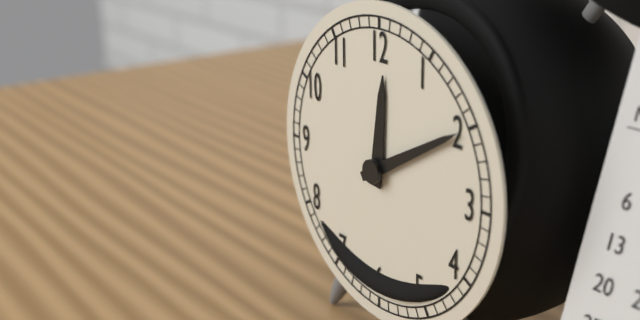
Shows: h=12 m=10
